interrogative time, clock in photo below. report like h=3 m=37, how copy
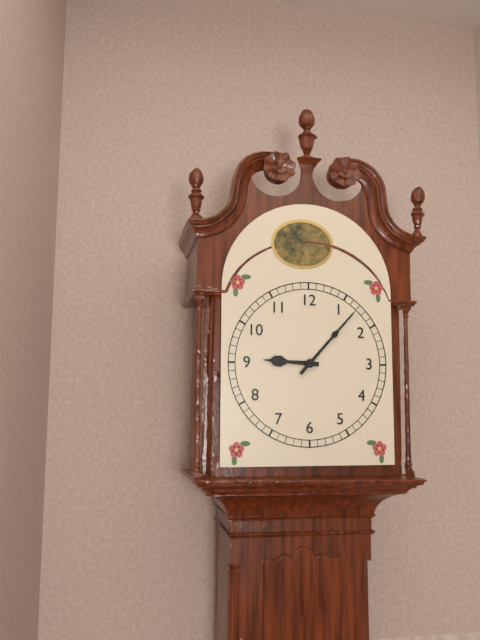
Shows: h=9 m=7
